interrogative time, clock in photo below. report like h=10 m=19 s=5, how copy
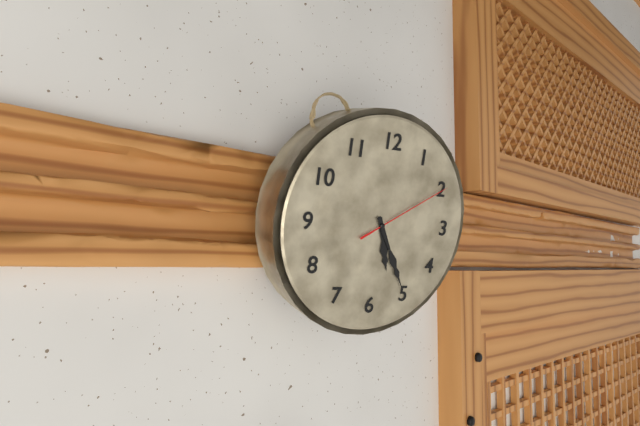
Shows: h=5 m=25 s=10
